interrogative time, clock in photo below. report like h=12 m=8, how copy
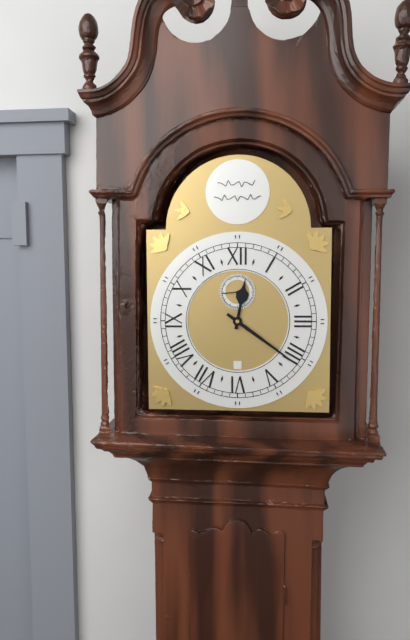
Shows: h=12 m=21
